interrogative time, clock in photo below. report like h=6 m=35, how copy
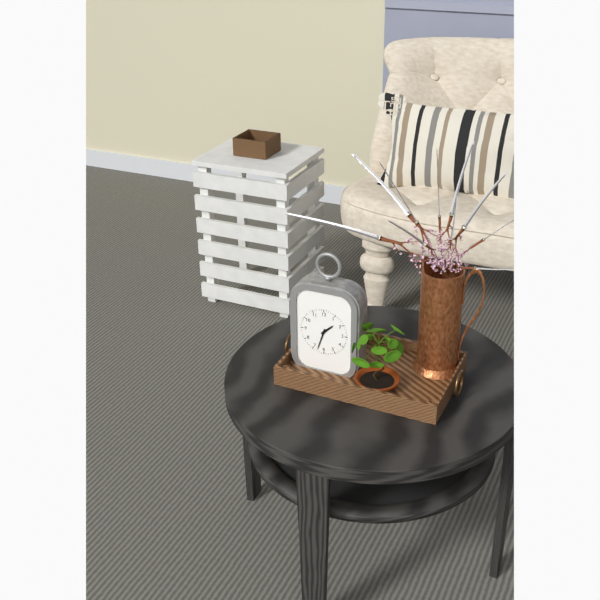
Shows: h=1 m=33
